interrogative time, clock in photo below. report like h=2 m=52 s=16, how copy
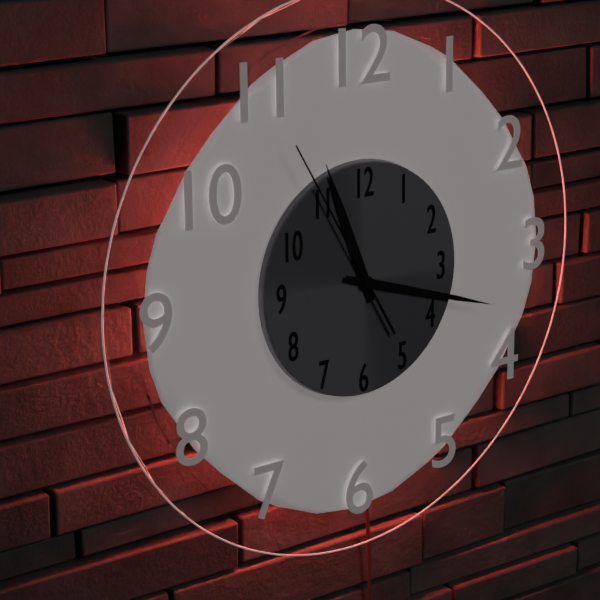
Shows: h=11 m=18 s=55
